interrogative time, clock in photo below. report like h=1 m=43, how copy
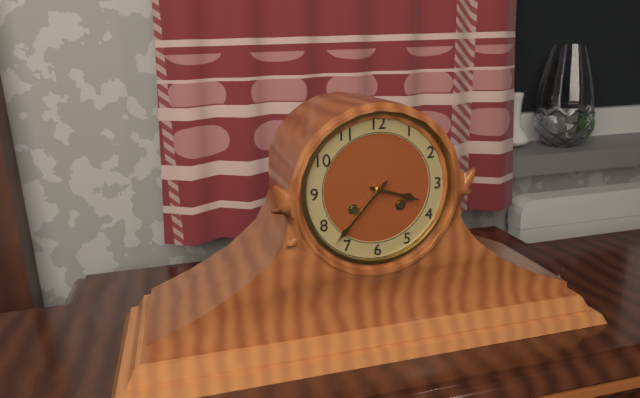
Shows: h=3 m=37
